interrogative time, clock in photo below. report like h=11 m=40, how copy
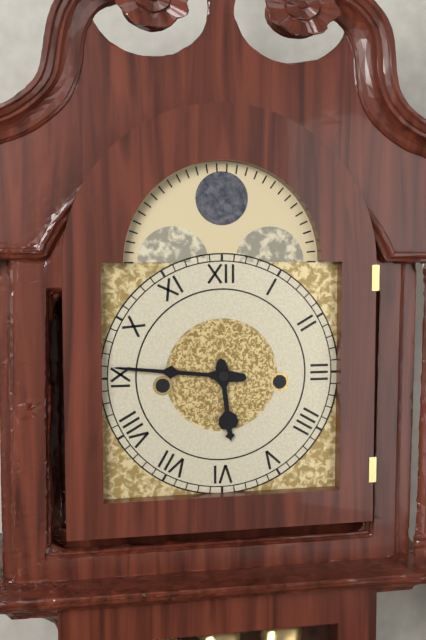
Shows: h=5 m=46
